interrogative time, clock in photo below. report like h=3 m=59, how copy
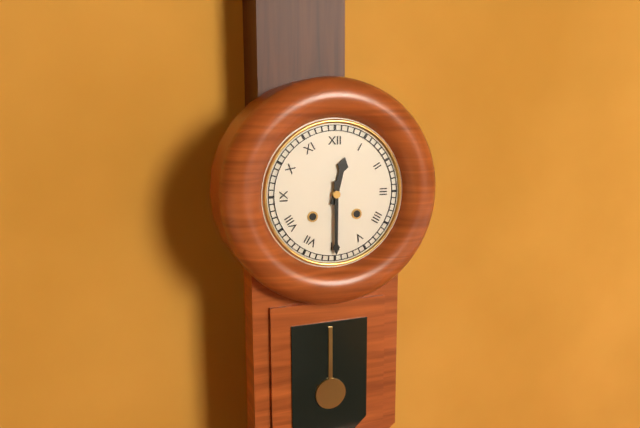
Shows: h=12 m=30
